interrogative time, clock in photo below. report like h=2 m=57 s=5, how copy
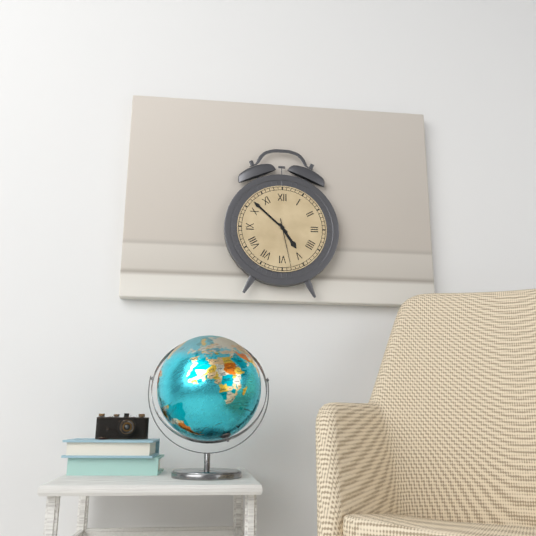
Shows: h=4 m=52 s=28
